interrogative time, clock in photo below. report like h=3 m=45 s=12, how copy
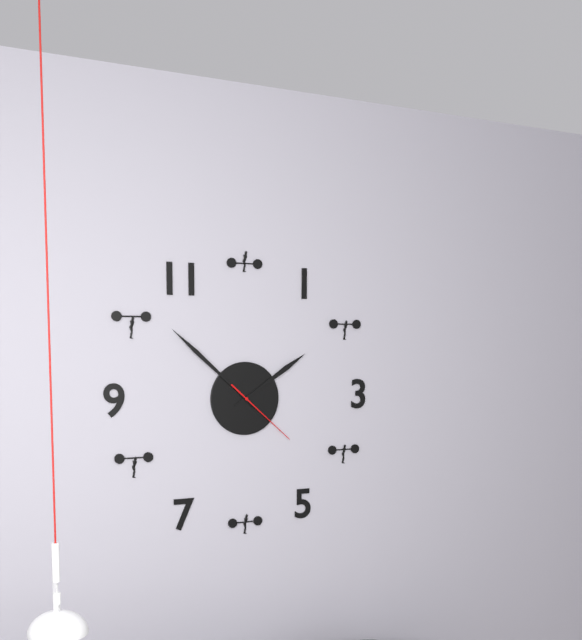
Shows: h=1 m=52 s=22
